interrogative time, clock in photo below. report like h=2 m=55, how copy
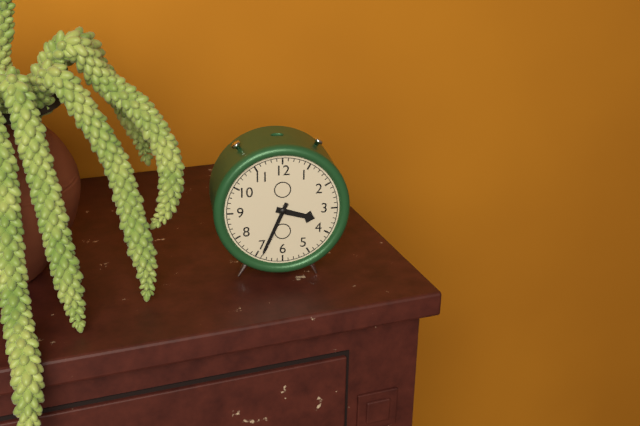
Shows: h=3 m=34
